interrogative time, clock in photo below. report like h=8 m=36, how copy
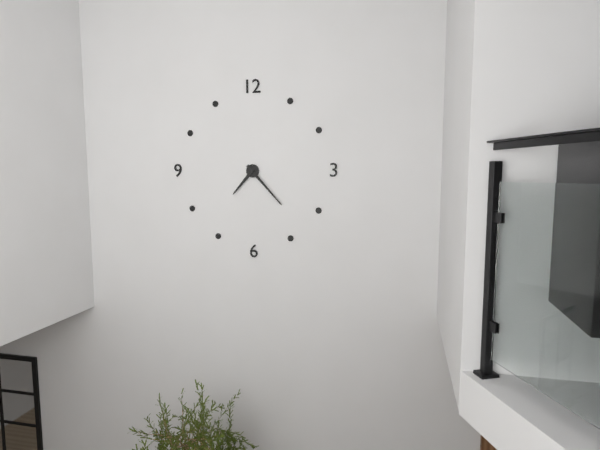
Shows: h=7 m=23
